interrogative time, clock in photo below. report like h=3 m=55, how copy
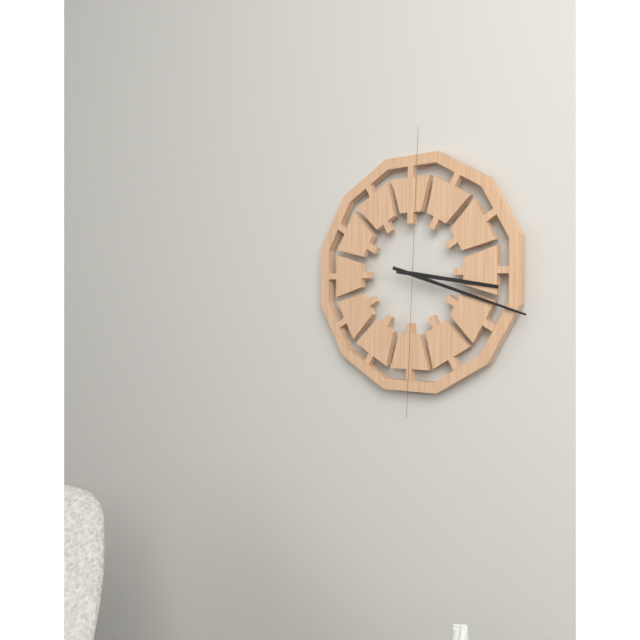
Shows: h=3 m=18
